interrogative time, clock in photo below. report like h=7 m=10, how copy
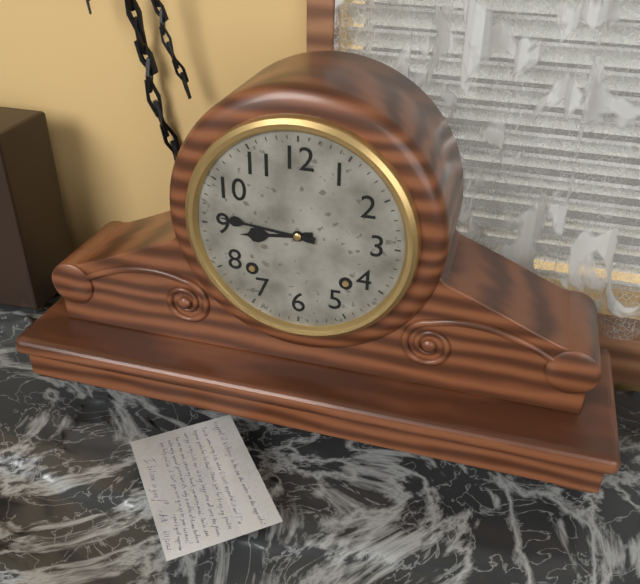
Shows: h=8 m=46
